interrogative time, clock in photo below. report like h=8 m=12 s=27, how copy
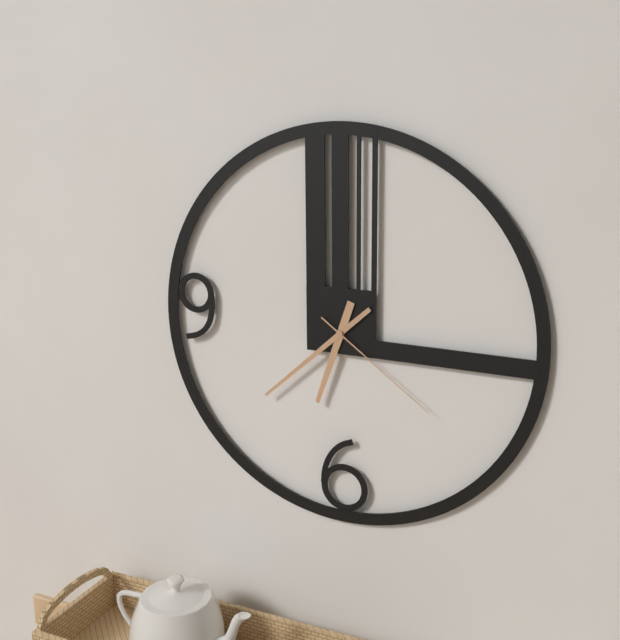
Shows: h=6 m=38 s=21
